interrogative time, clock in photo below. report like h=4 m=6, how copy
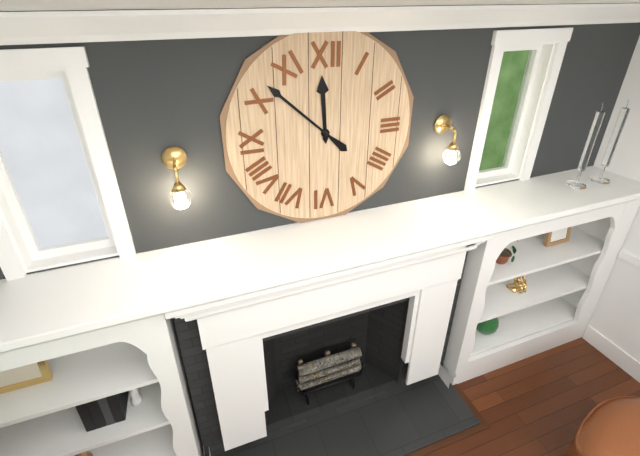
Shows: h=11 m=52
